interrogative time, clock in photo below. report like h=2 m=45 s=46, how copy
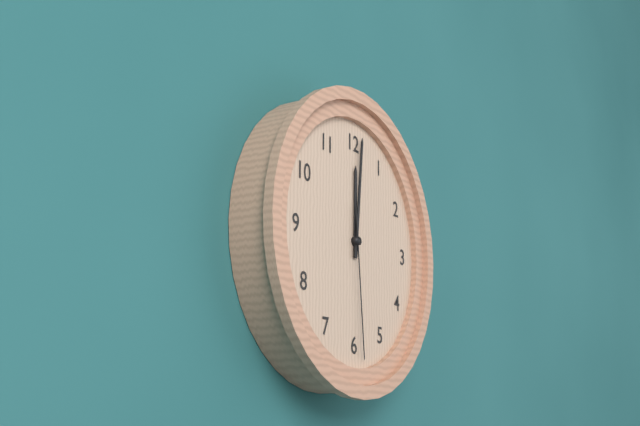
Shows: h=12 m=1 s=29
